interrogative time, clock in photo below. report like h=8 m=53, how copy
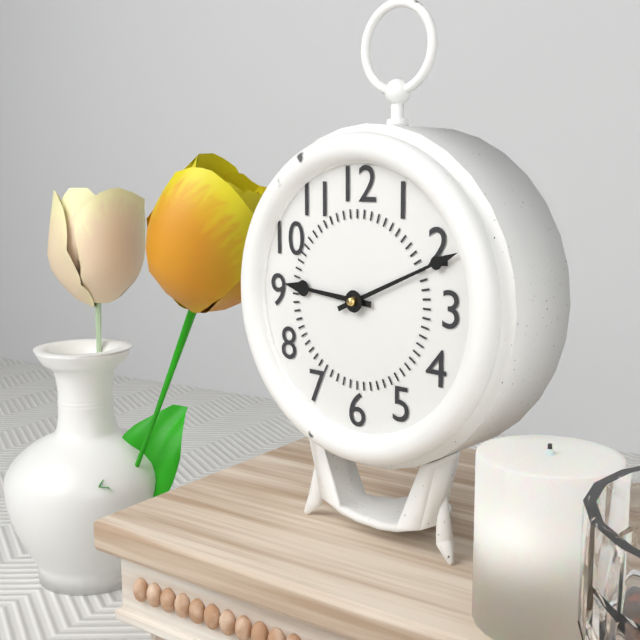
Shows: h=9 m=11
